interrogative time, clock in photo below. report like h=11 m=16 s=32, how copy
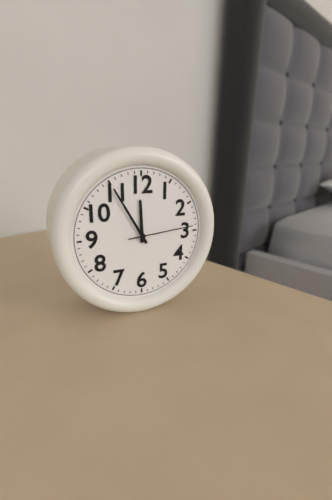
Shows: h=11 m=55 s=14
